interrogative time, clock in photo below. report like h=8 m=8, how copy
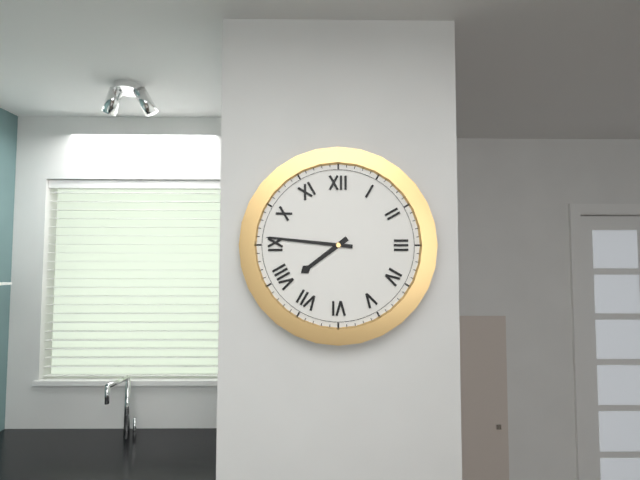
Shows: h=7 m=46
